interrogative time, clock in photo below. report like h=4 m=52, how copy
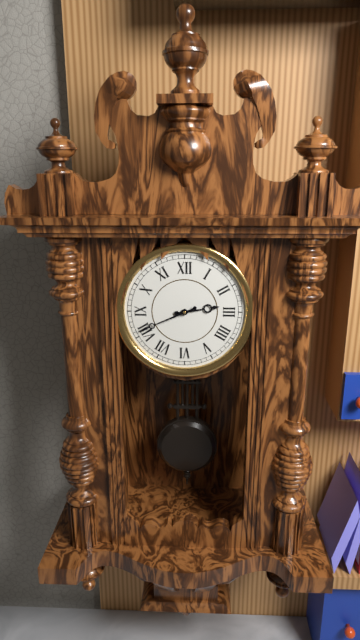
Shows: h=2 m=41
